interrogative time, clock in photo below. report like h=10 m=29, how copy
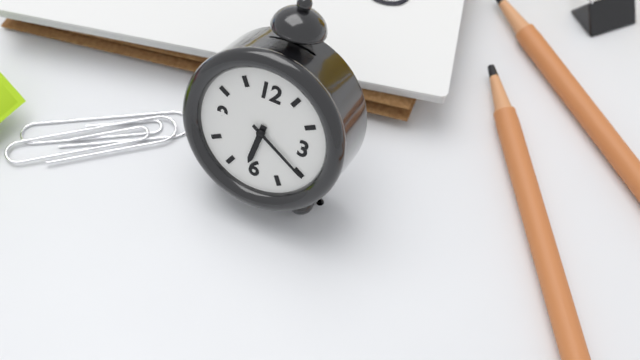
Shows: h=6 m=20
